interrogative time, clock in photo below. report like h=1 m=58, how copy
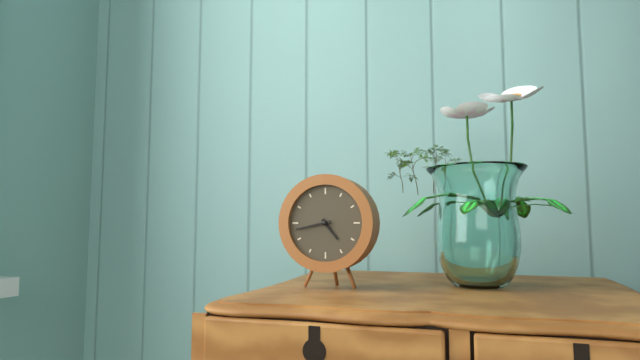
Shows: h=4 m=43
